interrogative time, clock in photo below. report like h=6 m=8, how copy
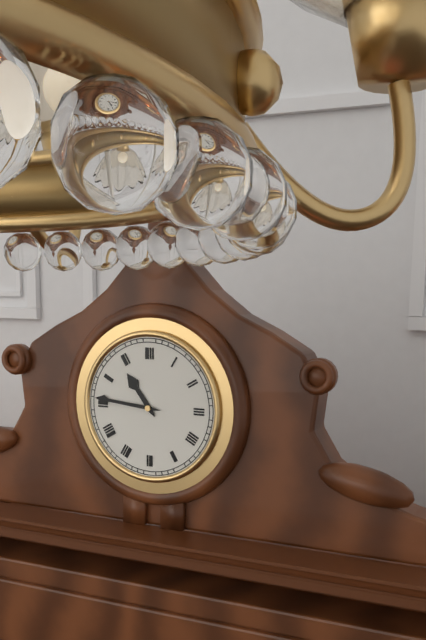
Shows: h=10 m=46
